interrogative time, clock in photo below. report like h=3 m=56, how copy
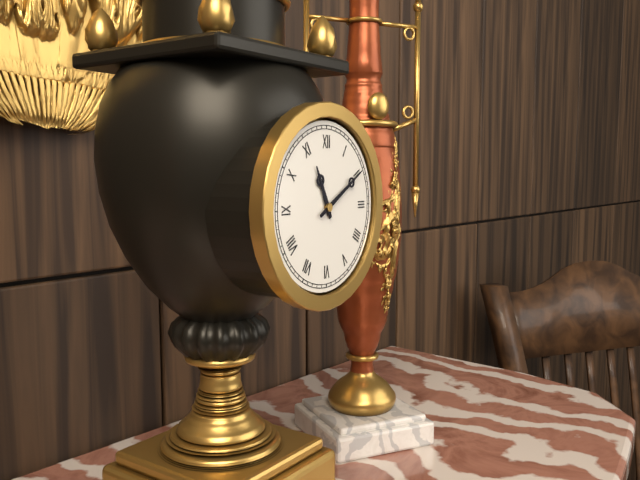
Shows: h=11 m=10
